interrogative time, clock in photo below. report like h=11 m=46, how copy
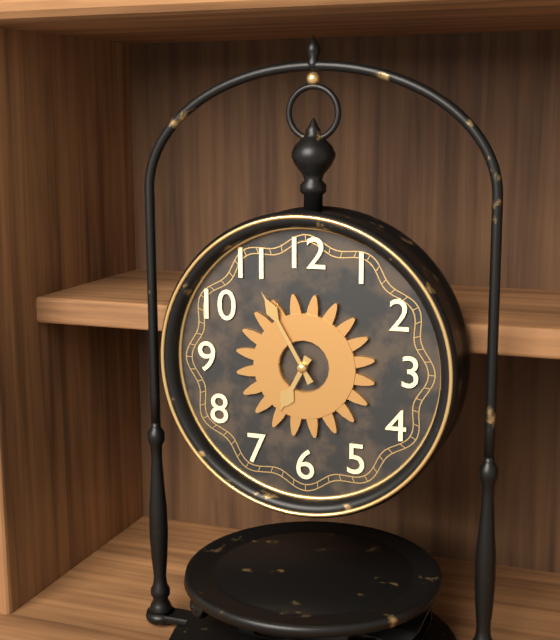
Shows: h=6 m=55
